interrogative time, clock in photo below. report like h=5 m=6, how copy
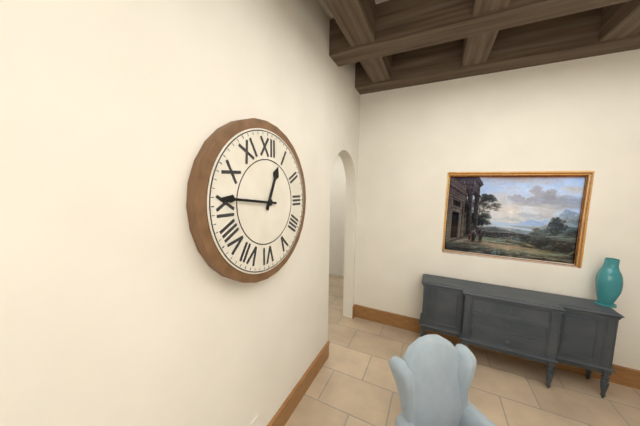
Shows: h=12 m=46
